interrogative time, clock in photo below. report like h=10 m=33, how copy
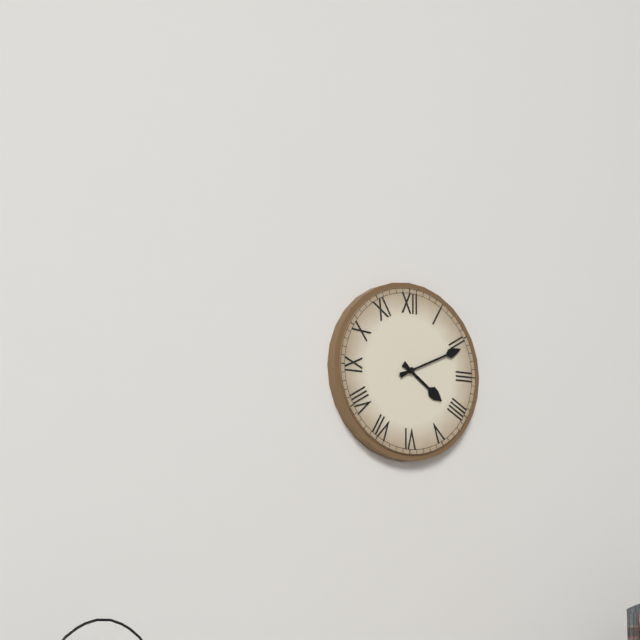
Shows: h=4 m=11
